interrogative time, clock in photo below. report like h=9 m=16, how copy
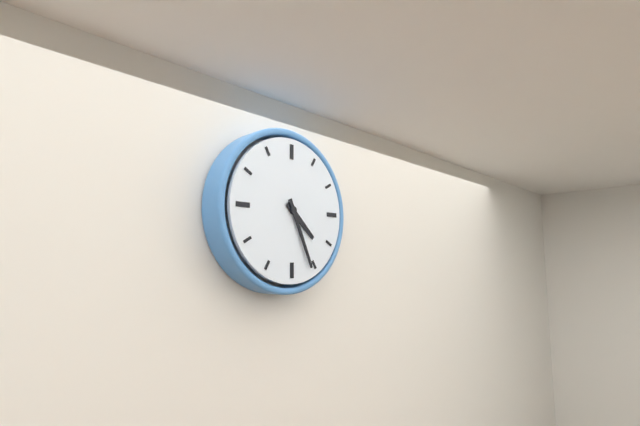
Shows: h=4 m=26
